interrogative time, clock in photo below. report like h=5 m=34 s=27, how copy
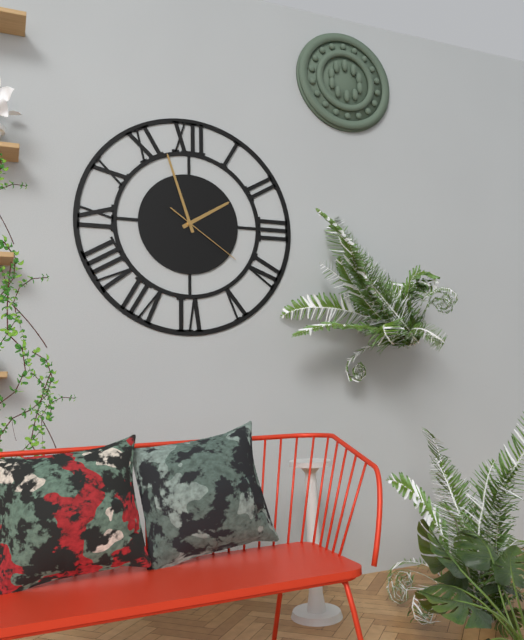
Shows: h=1 m=57 s=21
